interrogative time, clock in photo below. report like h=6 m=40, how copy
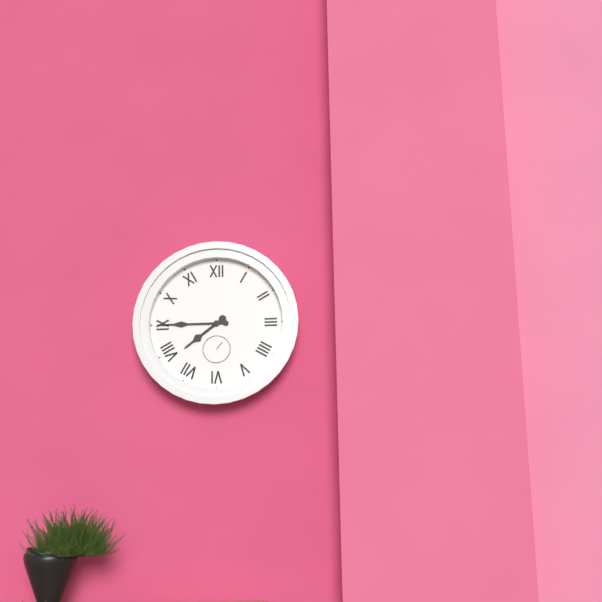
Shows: h=7 m=45
